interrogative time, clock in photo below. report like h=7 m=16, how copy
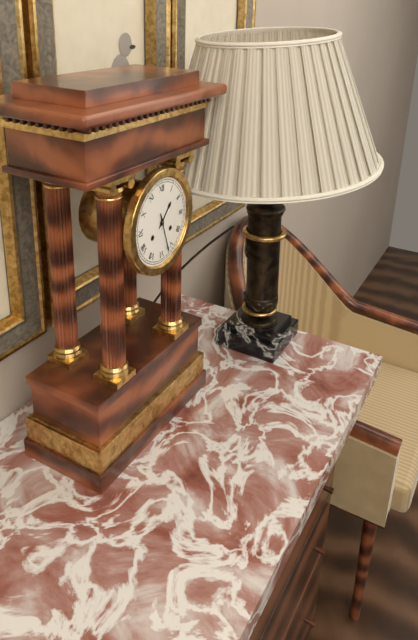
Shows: h=1 m=27
